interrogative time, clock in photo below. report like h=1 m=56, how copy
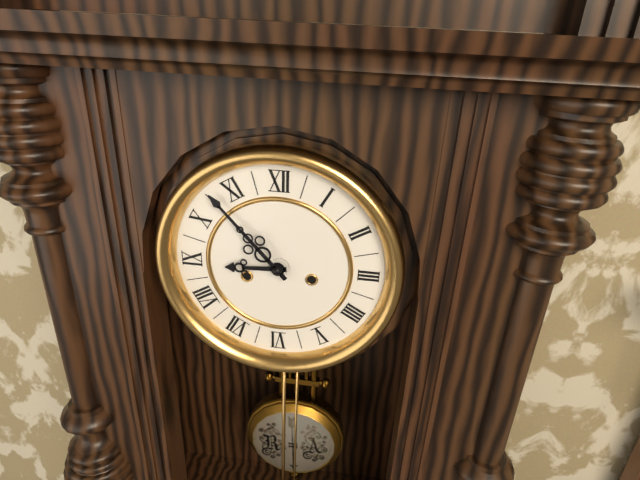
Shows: h=8 m=53
